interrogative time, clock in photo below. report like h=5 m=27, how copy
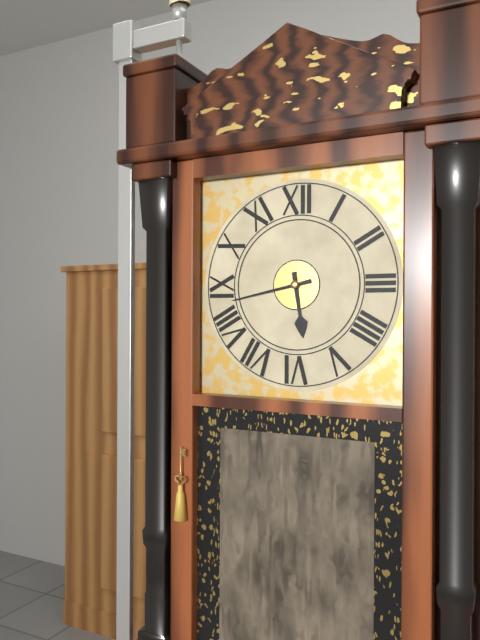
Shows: h=5 m=43
